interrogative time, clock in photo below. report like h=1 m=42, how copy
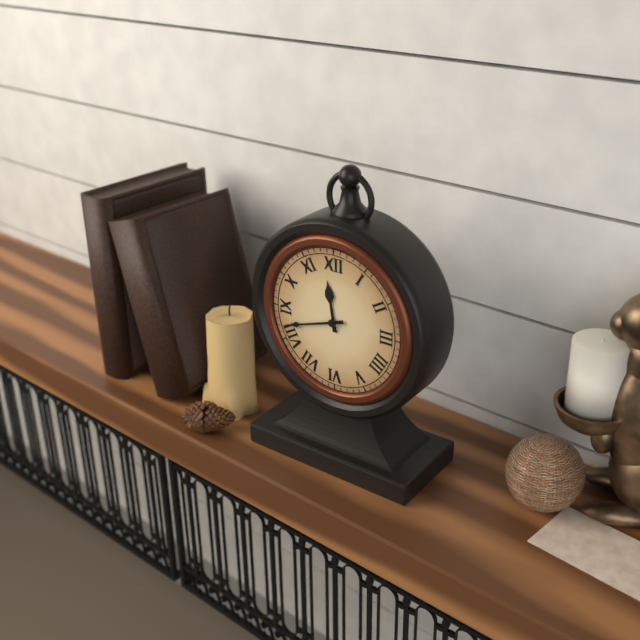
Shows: h=11 m=42
